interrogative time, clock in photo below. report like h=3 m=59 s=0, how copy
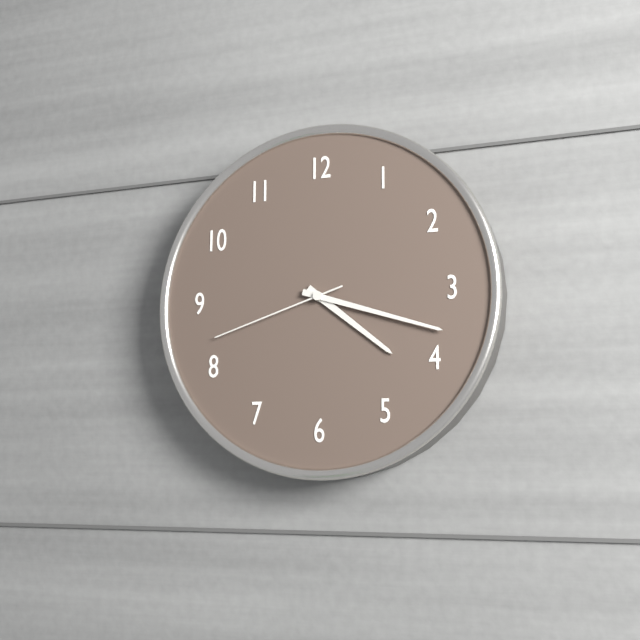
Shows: h=4 m=18 s=42
